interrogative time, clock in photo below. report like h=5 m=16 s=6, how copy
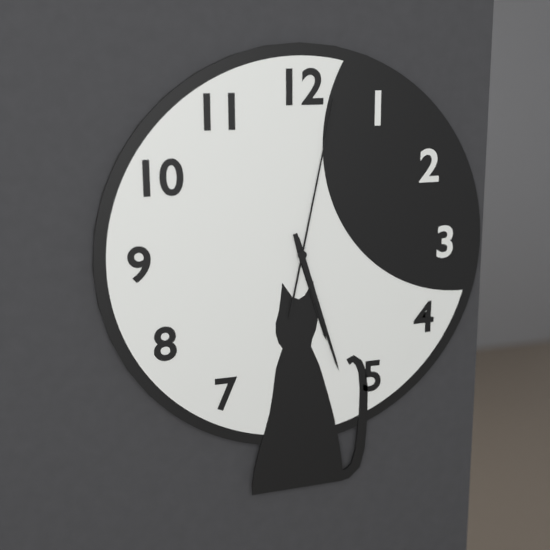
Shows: h=5 m=27 s=2
